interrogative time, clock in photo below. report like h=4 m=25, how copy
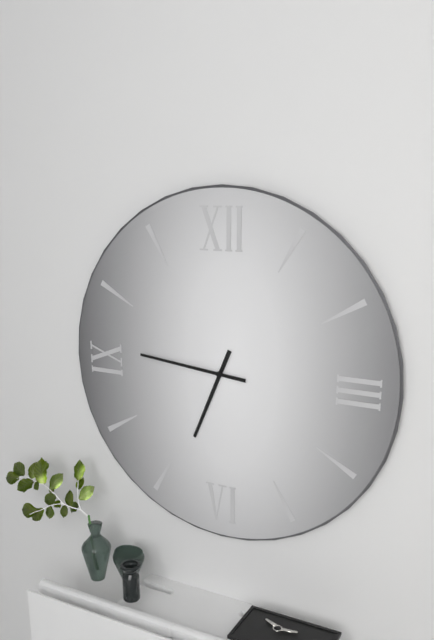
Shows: h=6 m=46
